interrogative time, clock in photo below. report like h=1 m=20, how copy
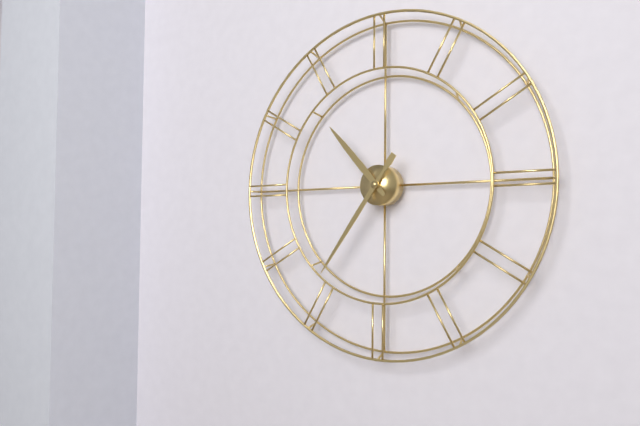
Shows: h=10 m=36
